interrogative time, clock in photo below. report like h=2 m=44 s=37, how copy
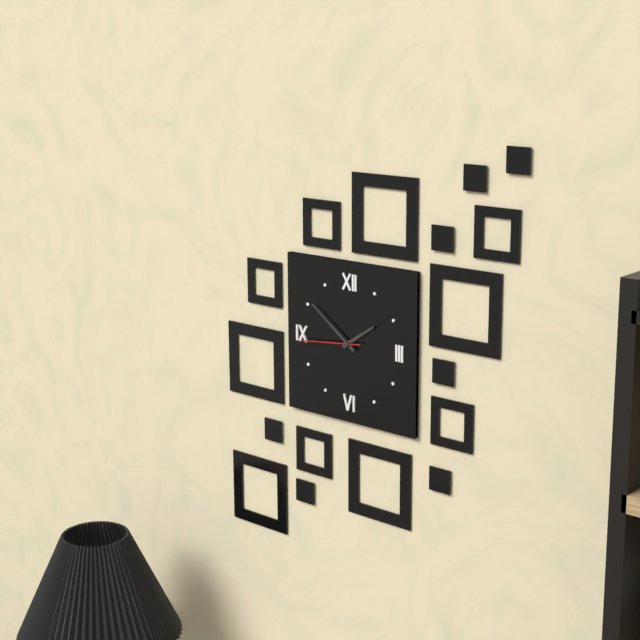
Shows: h=1 m=51 s=44
